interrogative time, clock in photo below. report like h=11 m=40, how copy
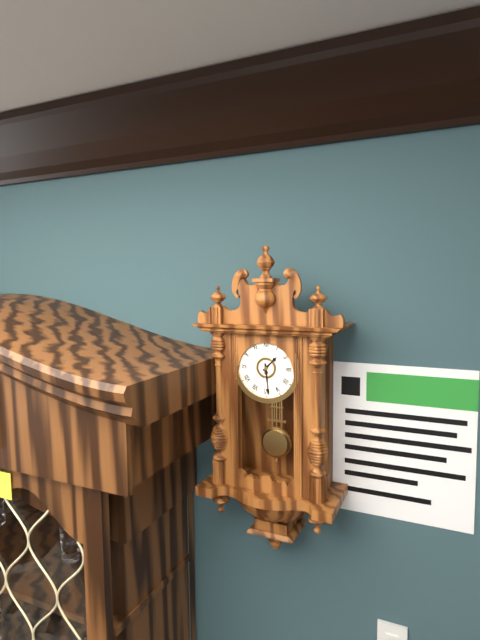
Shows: h=1 m=29
